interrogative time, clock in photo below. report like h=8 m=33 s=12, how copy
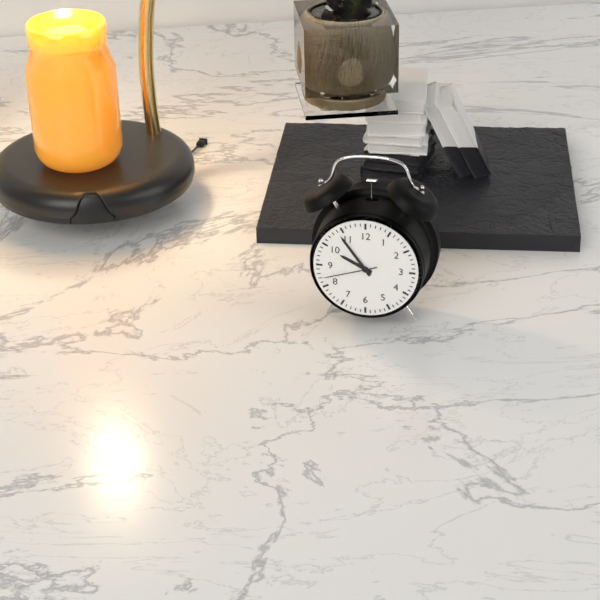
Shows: h=9 m=54 s=42
